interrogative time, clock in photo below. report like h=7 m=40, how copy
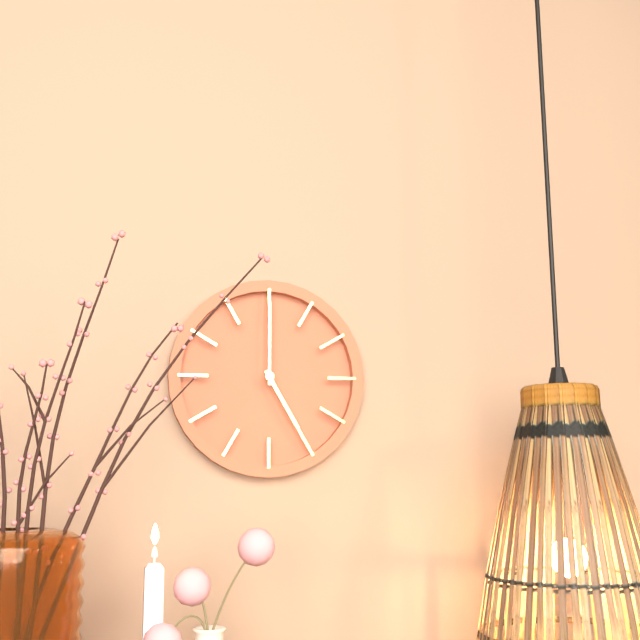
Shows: h=5 m=0
